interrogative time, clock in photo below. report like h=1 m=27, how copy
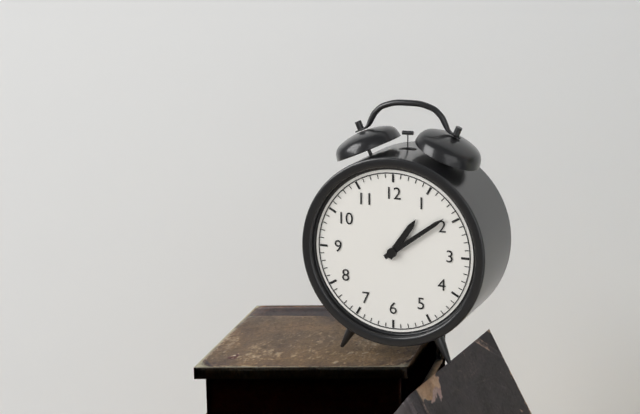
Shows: h=1 m=9
